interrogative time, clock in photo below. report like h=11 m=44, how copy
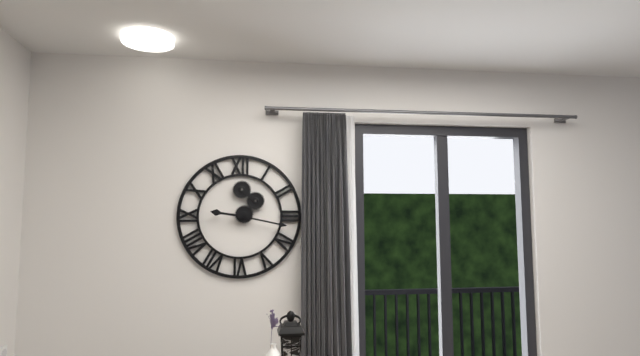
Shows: h=9 m=17
